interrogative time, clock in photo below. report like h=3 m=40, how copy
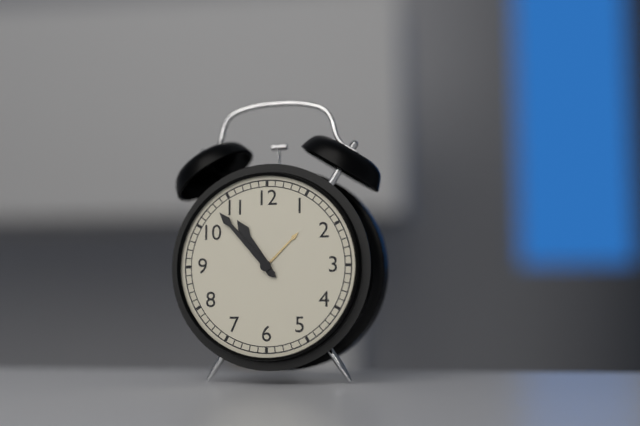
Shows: h=10 m=53
